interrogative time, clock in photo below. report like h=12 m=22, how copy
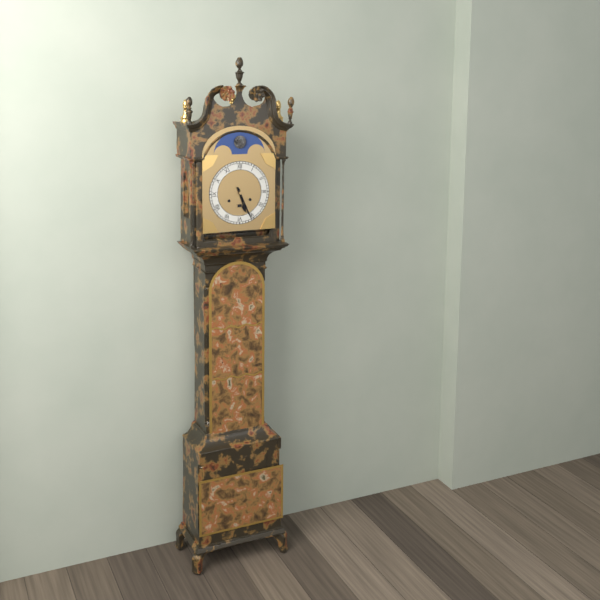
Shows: h=5 m=26
